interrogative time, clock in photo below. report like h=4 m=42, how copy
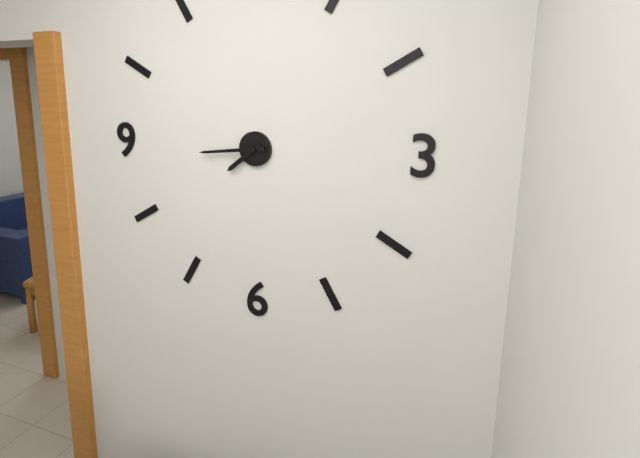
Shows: h=7 m=44
